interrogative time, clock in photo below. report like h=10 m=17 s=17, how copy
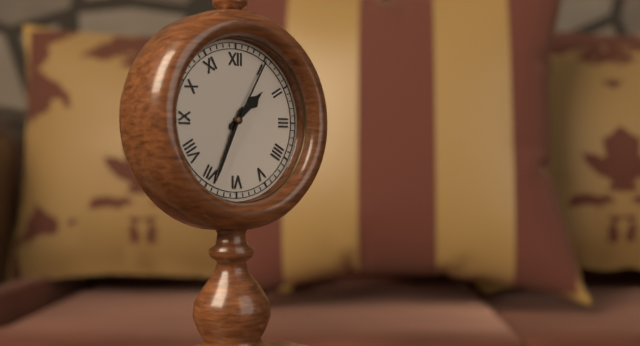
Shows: h=1 m=34 s=5
